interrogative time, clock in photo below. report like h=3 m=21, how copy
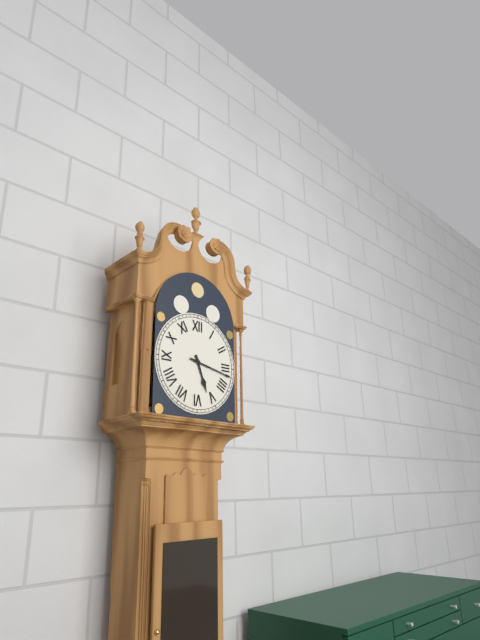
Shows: h=5 m=17
